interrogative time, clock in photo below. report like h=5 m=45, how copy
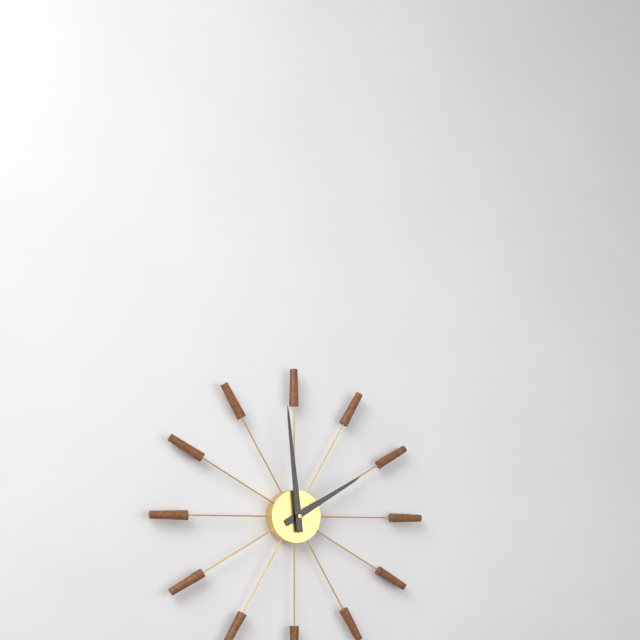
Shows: h=1 m=59
